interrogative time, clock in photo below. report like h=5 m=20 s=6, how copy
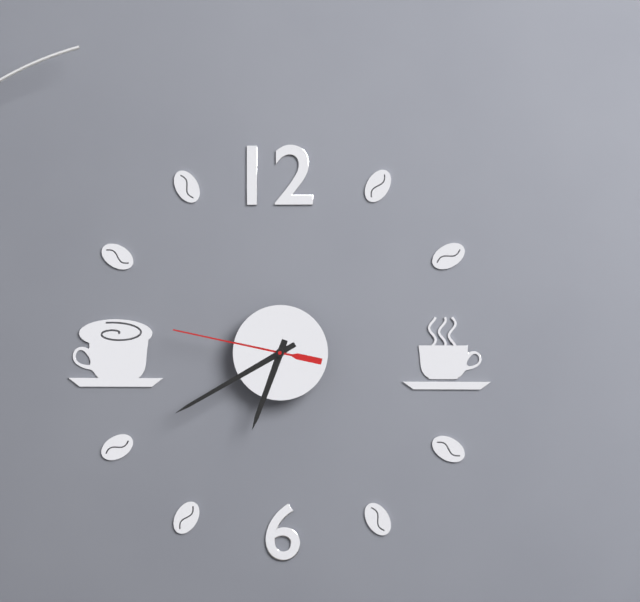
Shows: h=6 m=40 s=47
